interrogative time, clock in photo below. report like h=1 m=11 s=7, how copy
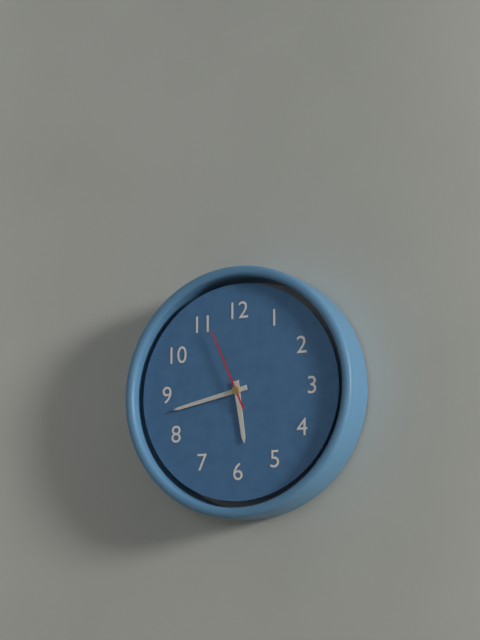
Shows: h=5 m=43 s=56
